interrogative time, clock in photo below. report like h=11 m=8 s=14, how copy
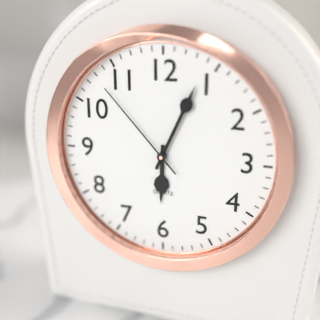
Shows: h=6 m=4 s=53
